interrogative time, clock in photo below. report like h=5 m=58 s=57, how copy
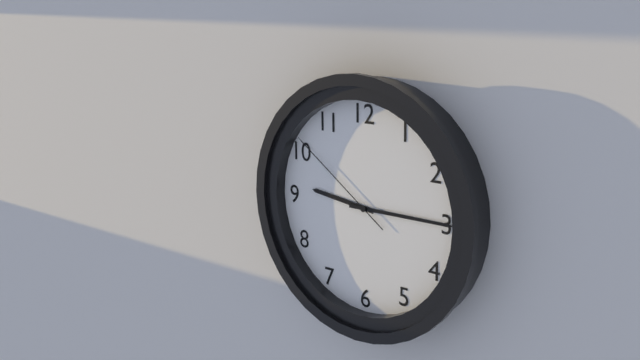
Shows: h=9 m=15 s=51
